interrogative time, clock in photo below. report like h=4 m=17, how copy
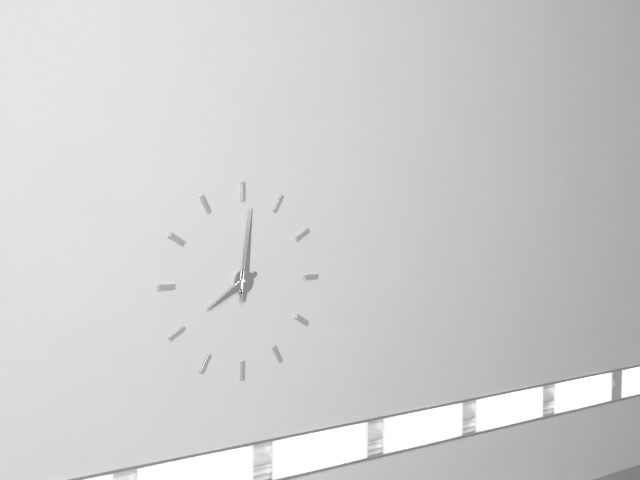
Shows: h=8 m=1
